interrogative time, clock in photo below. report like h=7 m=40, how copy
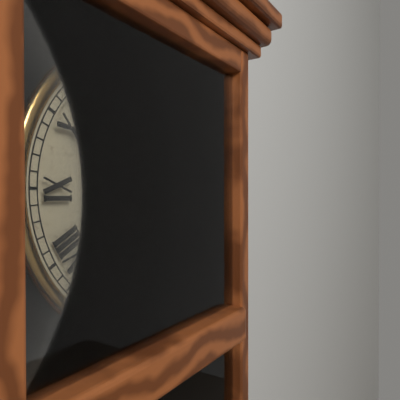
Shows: h=5 m=20
